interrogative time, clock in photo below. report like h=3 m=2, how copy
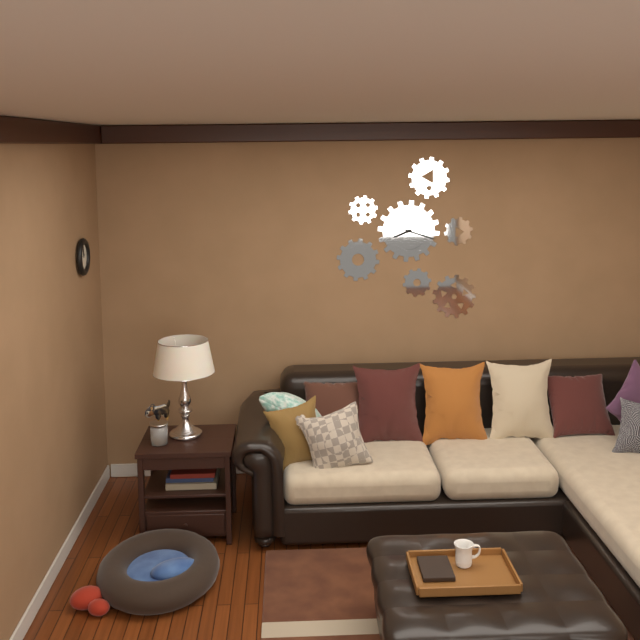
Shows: h=8 m=18
